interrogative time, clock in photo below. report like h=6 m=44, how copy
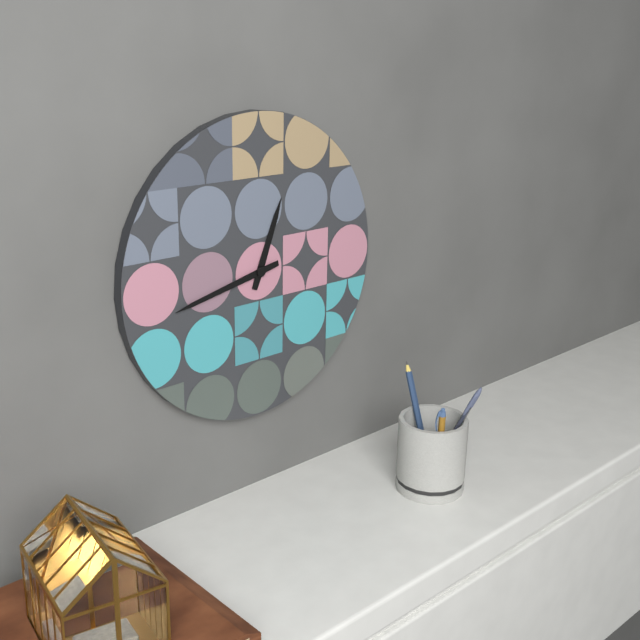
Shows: h=12 m=43
